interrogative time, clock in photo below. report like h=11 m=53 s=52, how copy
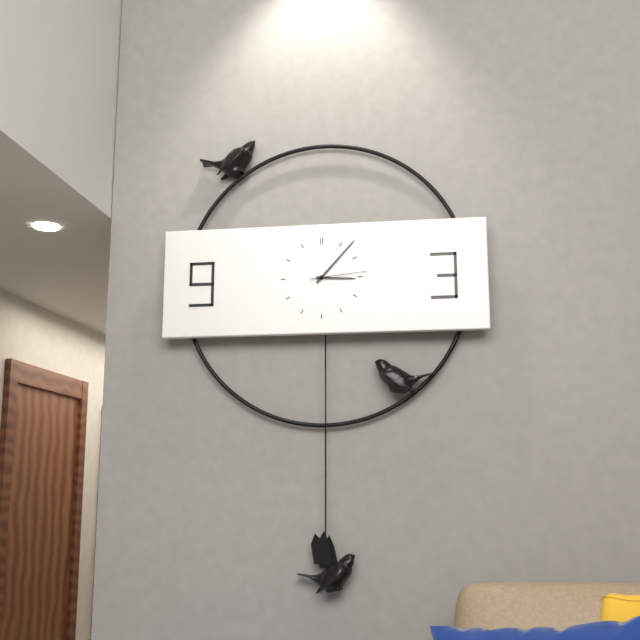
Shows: h=3 m=7 s=14
